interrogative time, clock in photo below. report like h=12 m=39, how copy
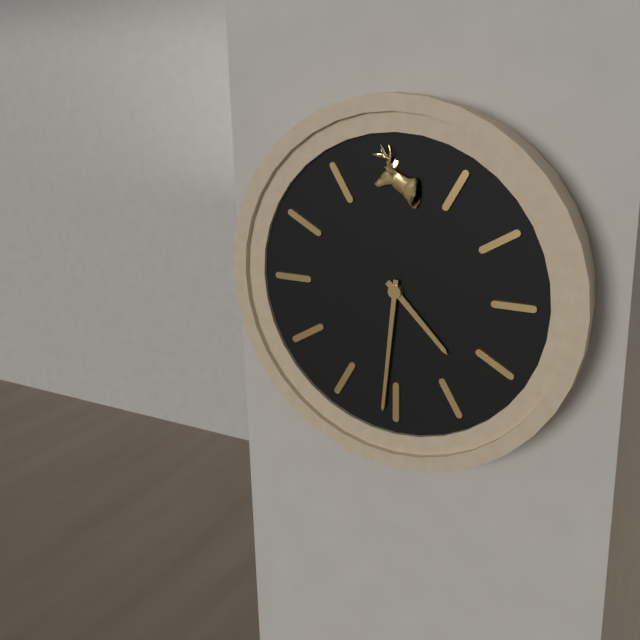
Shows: h=4 m=31
